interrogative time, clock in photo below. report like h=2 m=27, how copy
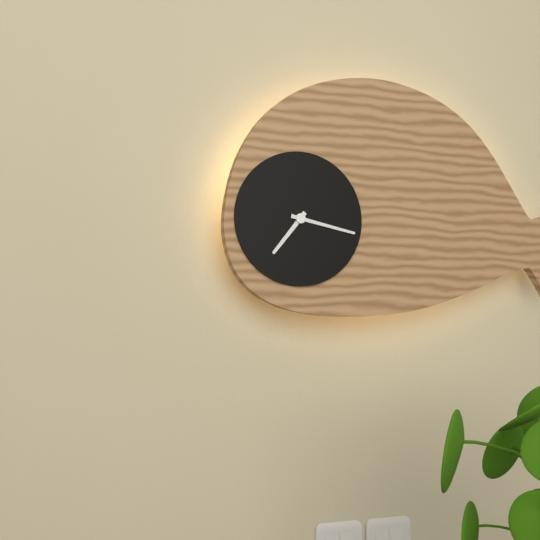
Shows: h=7 m=17
